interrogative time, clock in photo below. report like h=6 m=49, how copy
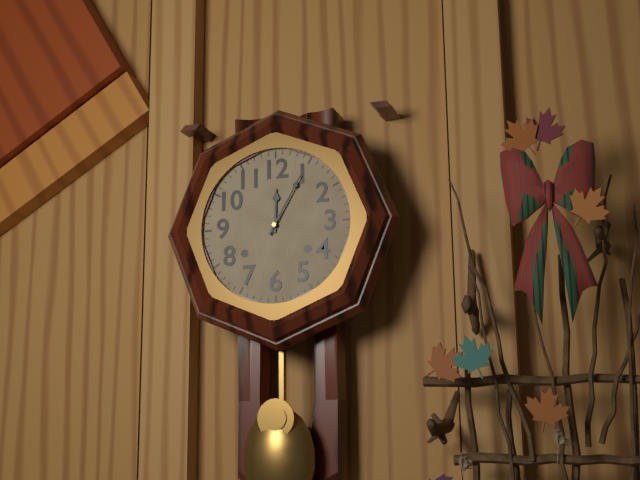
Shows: h=12 m=5
